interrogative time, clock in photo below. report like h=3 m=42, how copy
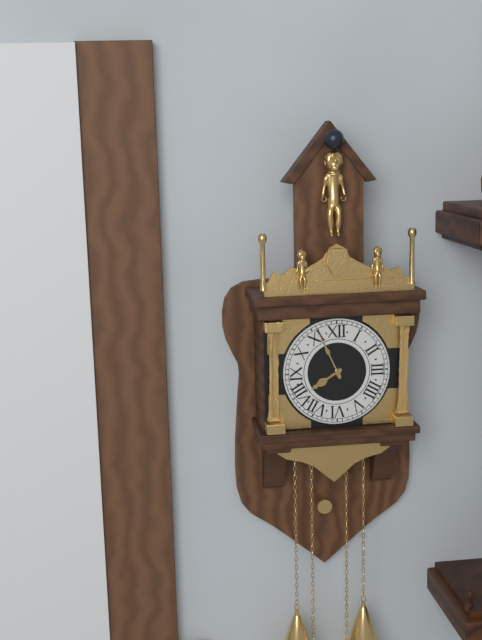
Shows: h=7 m=56
